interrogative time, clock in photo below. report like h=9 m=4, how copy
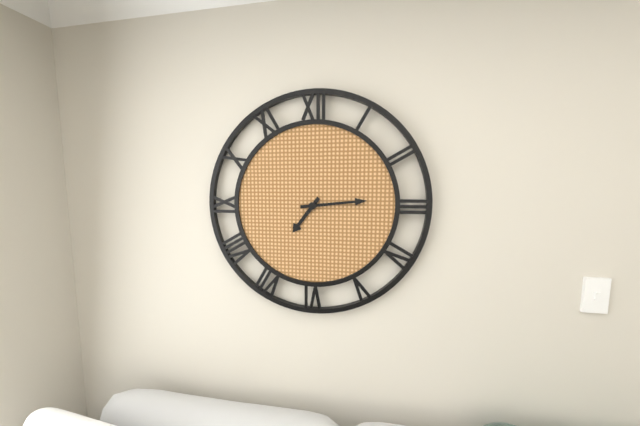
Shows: h=7 m=14
